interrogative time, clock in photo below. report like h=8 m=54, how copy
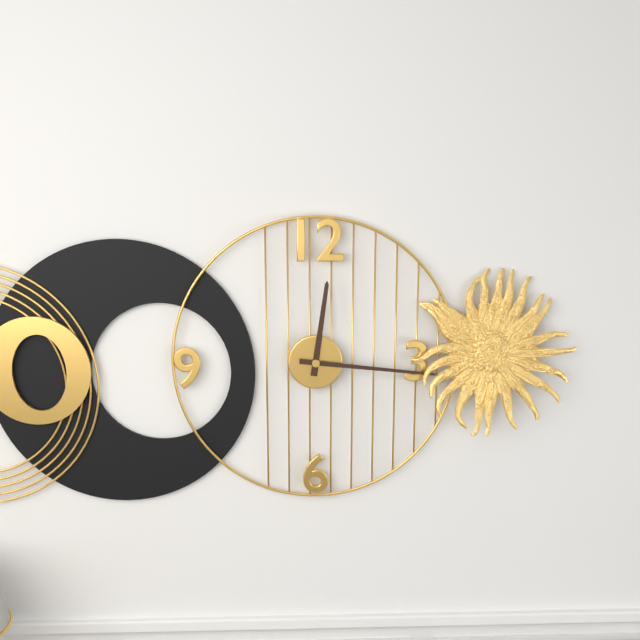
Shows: h=12 m=16
